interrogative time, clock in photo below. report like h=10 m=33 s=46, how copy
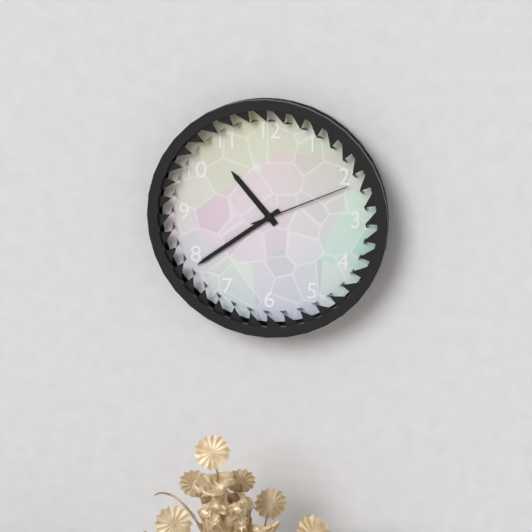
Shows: h=10 m=39 s=11
